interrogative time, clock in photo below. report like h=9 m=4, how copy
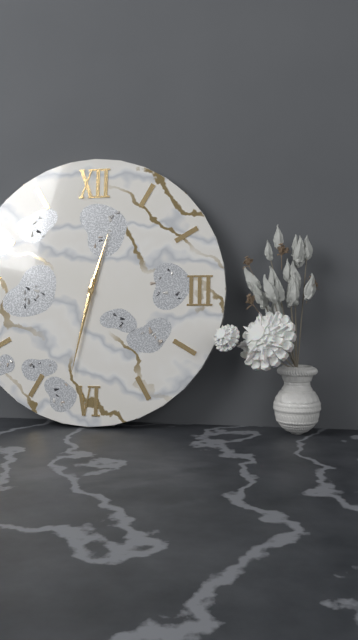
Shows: h=12 m=32
